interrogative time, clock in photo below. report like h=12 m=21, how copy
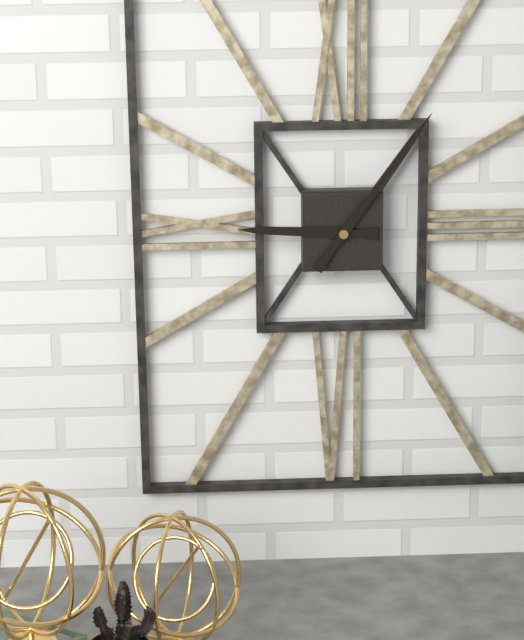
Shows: h=9 m=6
